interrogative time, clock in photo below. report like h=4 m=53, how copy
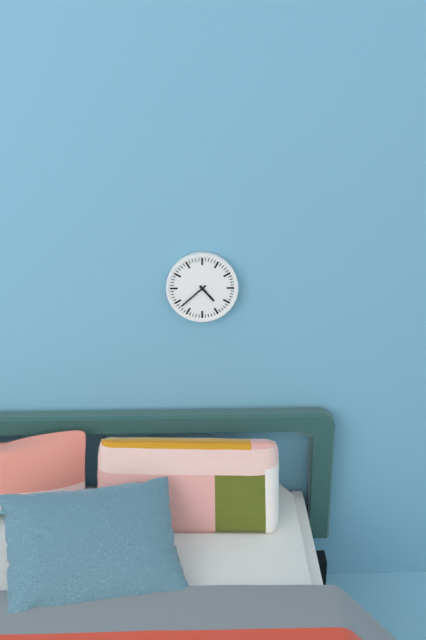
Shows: h=4 m=38
